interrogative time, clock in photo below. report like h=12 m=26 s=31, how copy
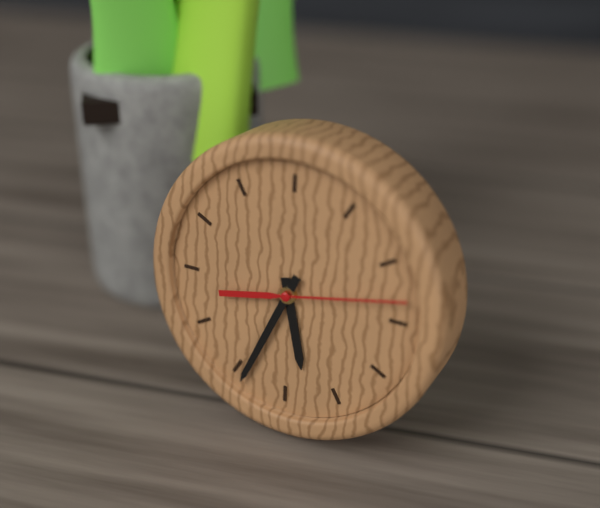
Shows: h=5 m=34 s=13
